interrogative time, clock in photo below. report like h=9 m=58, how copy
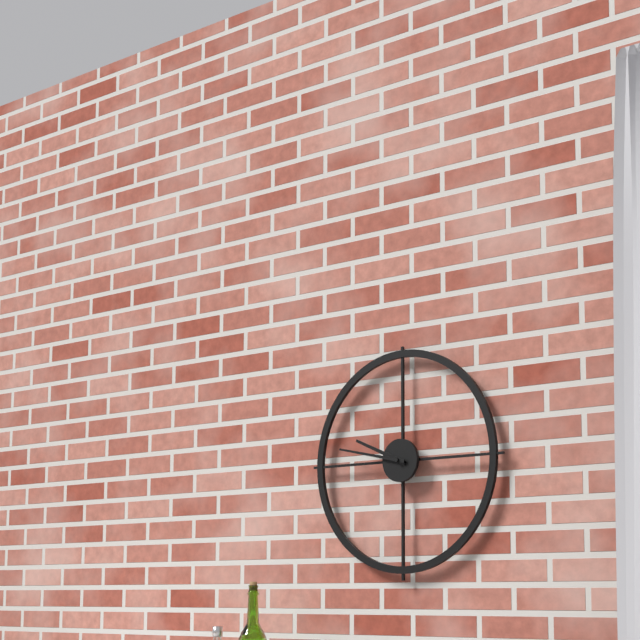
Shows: h=9 m=47
